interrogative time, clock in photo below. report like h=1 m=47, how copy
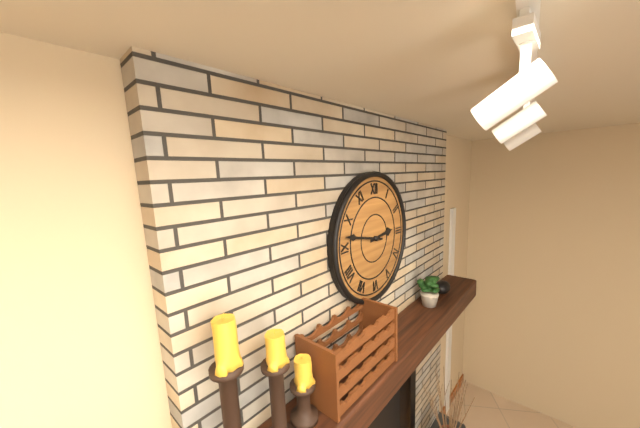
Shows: h=2 m=47
